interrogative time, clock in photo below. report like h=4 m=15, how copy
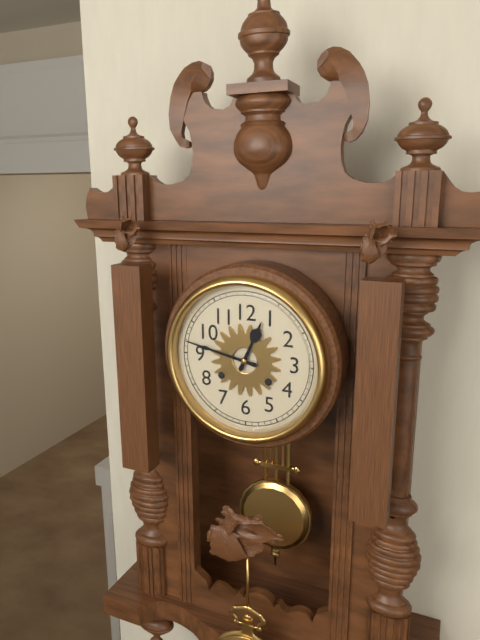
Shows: h=12 m=47
